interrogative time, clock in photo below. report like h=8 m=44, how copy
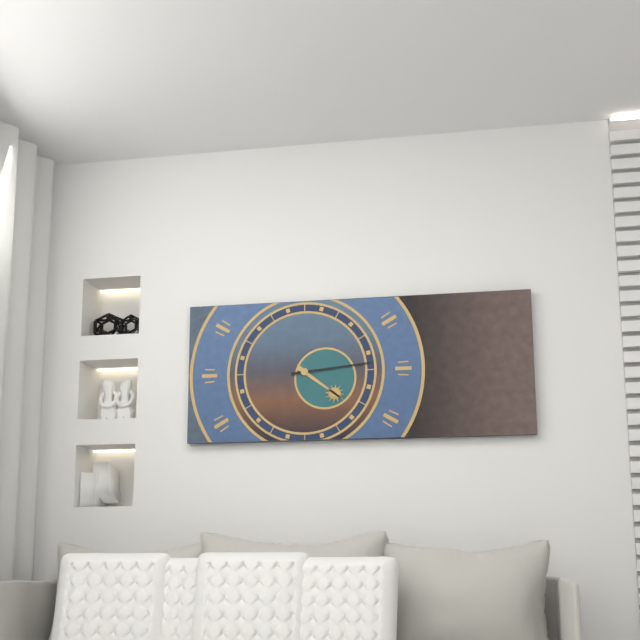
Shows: h=4 m=14
